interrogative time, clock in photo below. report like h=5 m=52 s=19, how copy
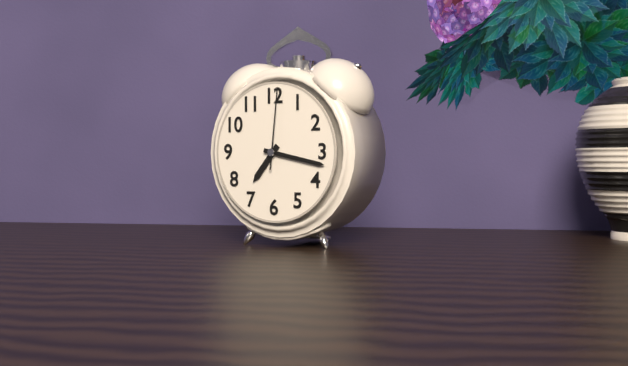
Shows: h=7 m=17 s=1
